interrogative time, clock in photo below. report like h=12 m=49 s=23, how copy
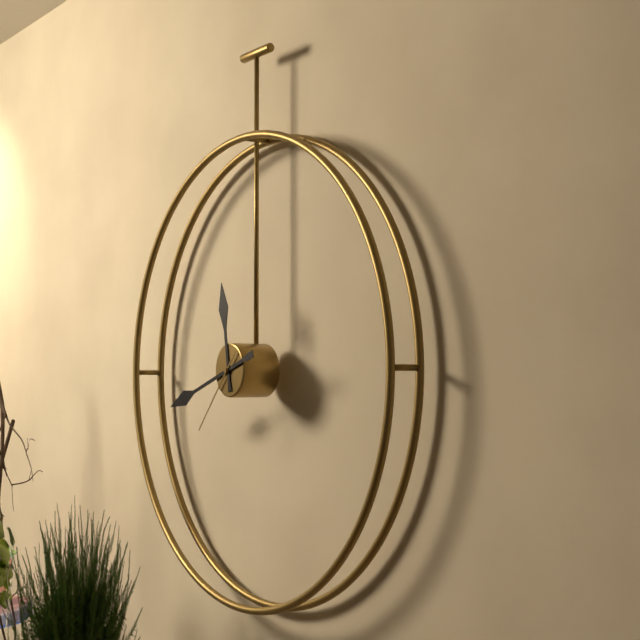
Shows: h=11 m=42 s=37
